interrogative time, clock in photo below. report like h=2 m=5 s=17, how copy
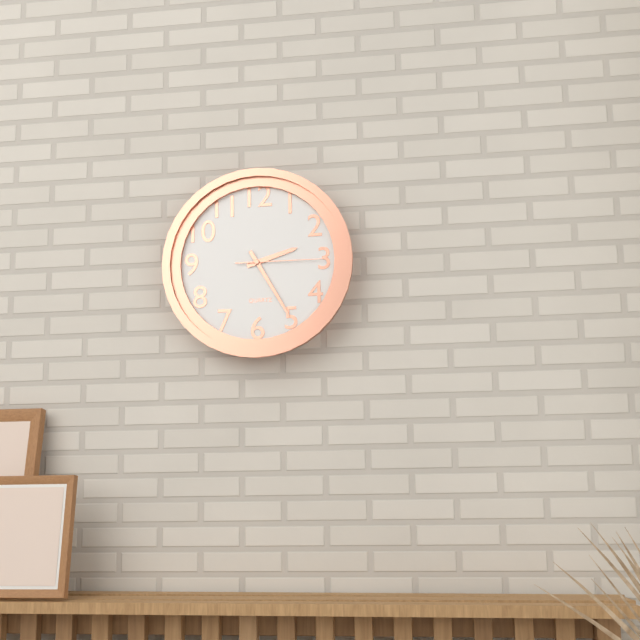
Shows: h=2 m=25 s=15
